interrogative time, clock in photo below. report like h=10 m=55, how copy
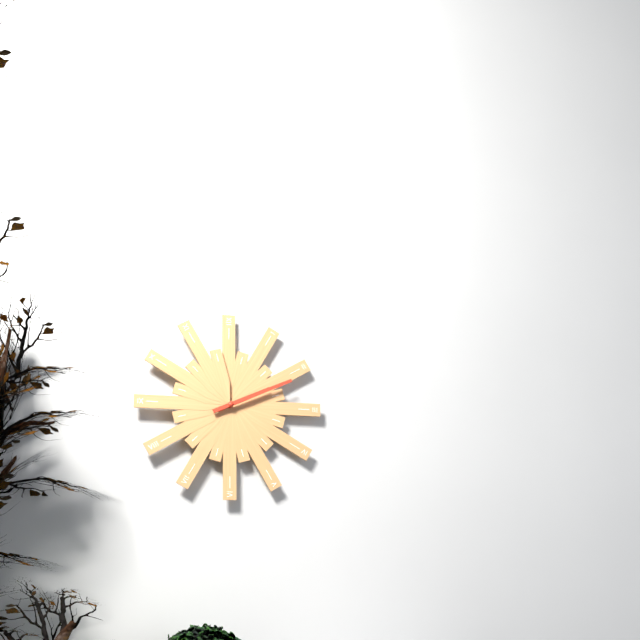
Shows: h=2 m=11
